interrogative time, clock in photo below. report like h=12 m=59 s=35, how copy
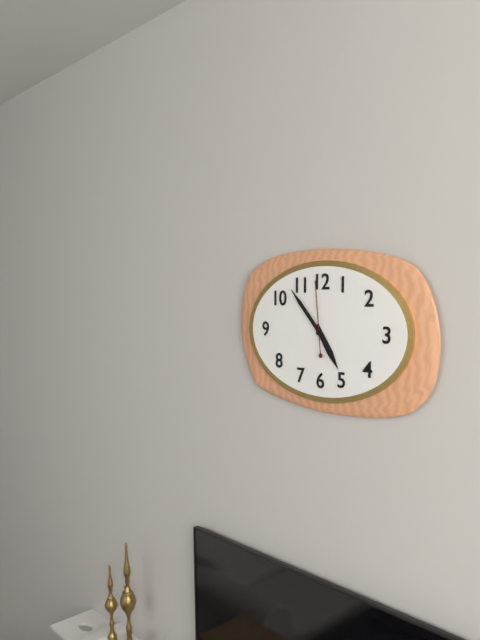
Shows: h=4 m=53 s=59
